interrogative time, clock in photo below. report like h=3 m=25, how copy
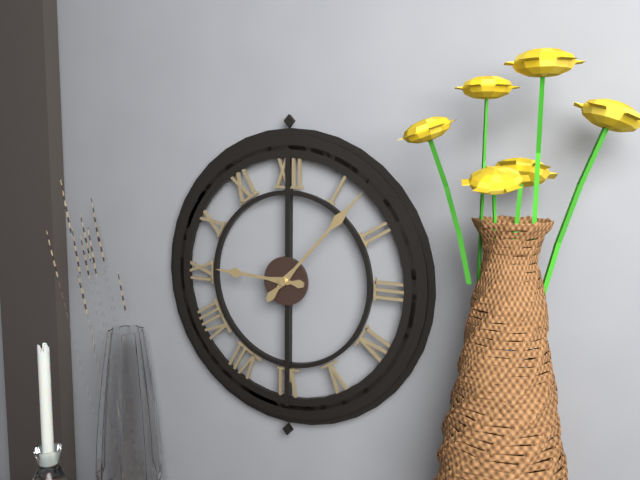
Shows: h=9 m=7
